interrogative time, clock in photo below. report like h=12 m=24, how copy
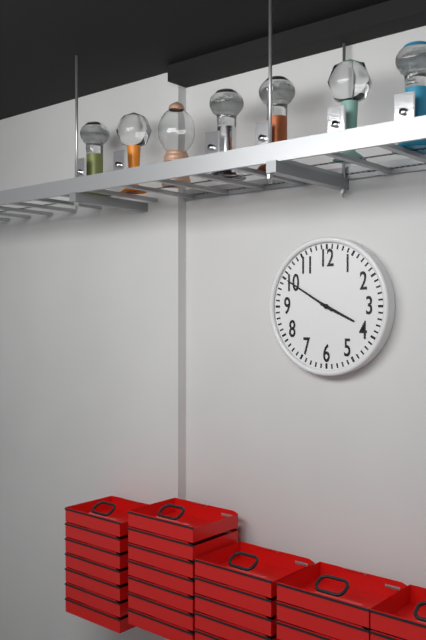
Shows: h=3 m=50
